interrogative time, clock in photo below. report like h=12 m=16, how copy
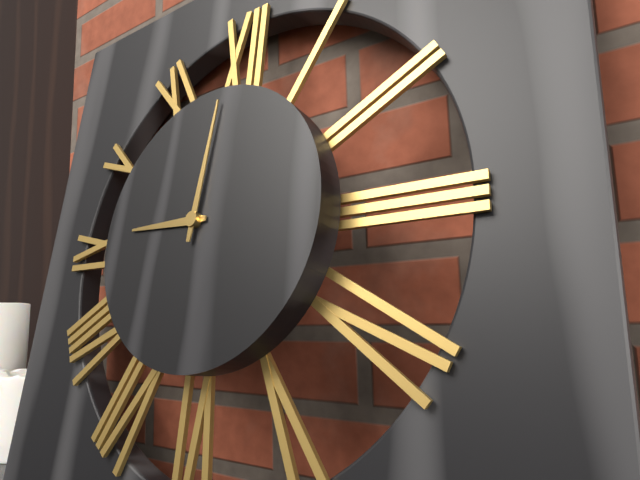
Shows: h=9 m=1
